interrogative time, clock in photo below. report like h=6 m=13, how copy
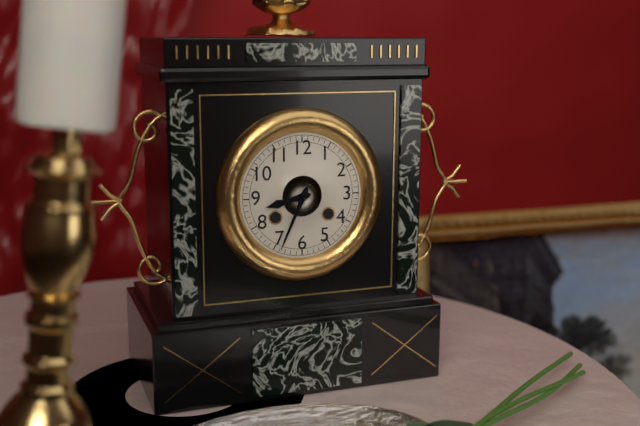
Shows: h=8 m=34
